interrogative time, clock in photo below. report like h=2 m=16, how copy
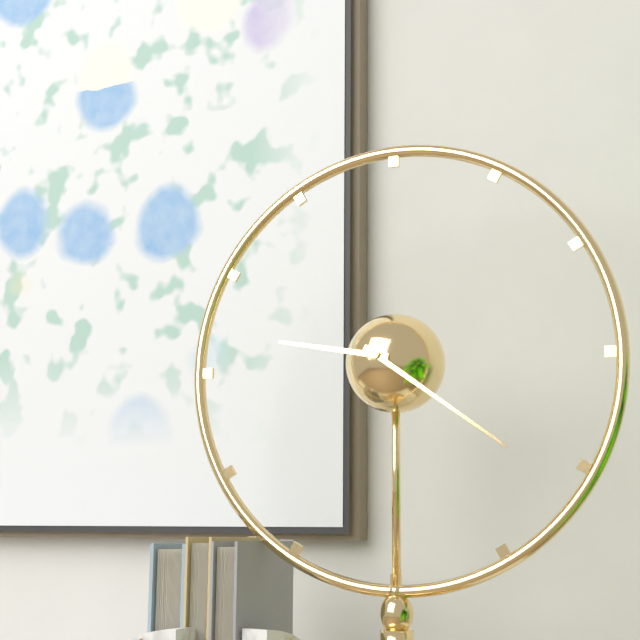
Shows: h=9 m=21
